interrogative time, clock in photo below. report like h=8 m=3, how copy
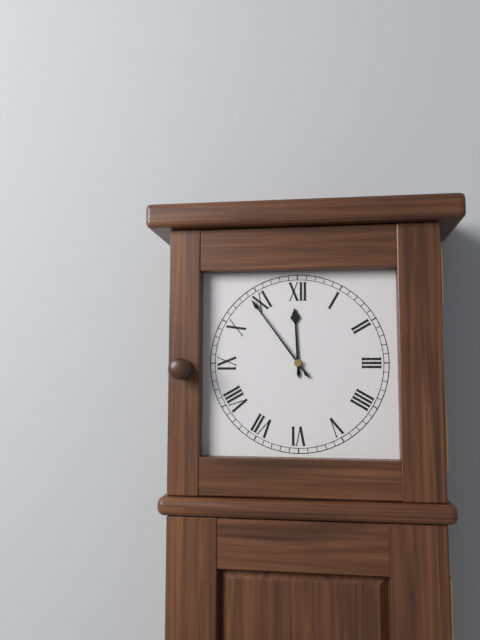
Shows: h=11 m=54
